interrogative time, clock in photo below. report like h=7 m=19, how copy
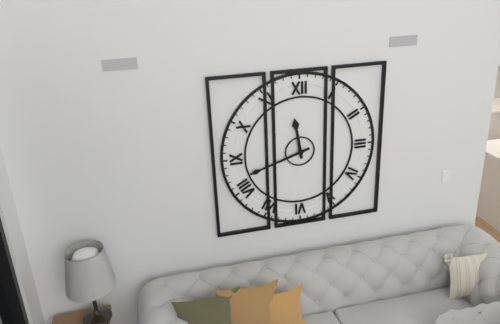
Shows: h=11 m=42
